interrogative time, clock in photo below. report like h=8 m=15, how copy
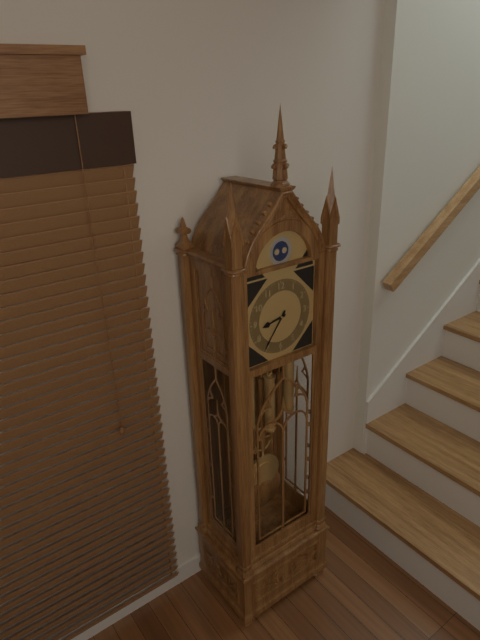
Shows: h=8 m=36
